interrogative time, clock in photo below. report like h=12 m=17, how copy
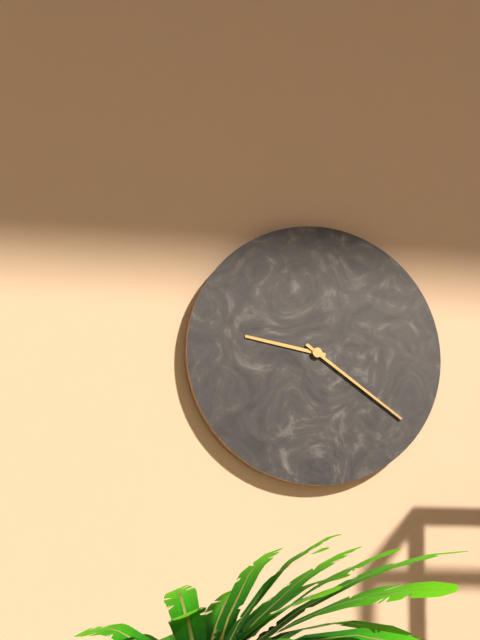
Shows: h=9 m=21
